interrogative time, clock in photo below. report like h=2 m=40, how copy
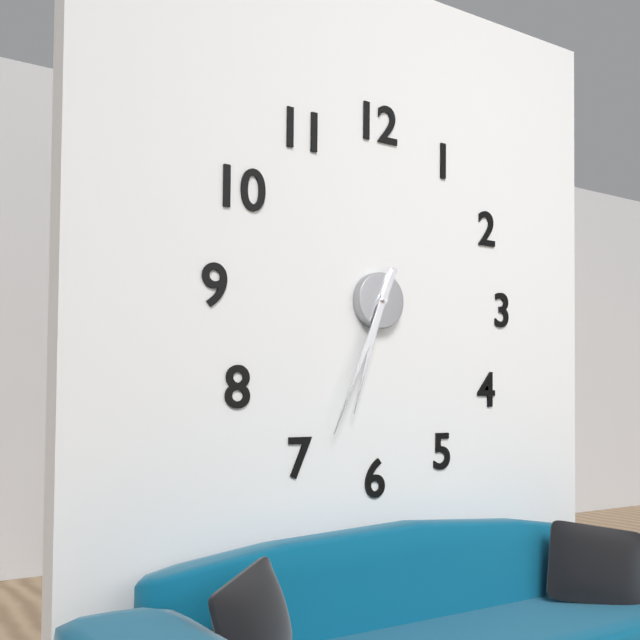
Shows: h=6 m=34
